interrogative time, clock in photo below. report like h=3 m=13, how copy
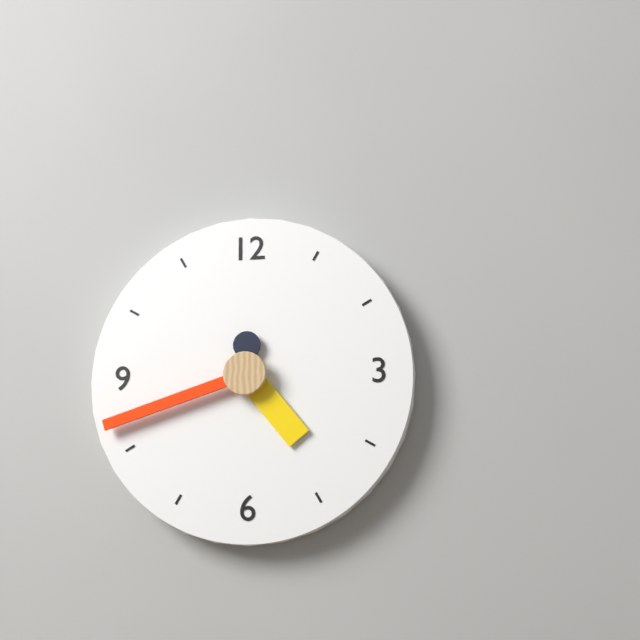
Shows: h=4 m=42
